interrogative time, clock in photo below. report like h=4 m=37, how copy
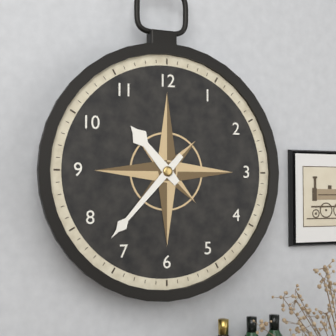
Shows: h=10 m=37
